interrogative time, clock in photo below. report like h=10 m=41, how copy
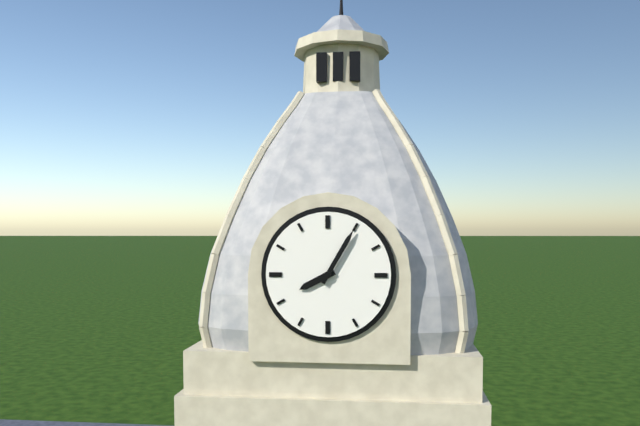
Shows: h=8 m=5
